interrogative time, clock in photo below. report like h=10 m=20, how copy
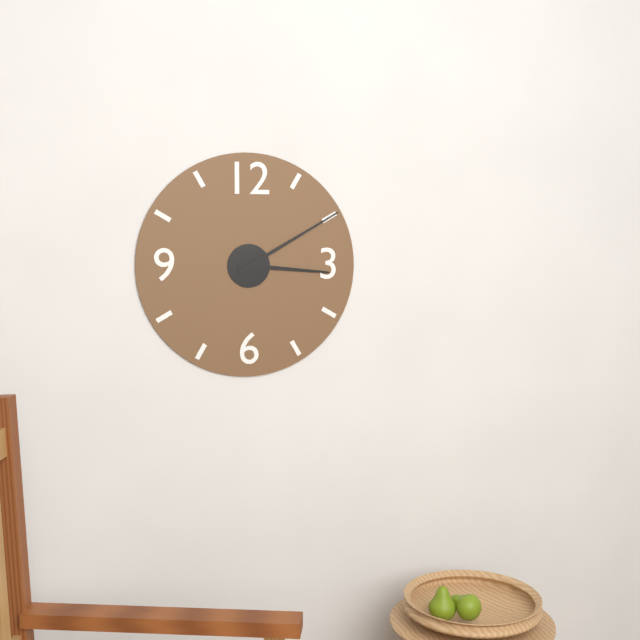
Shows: h=3 m=10
